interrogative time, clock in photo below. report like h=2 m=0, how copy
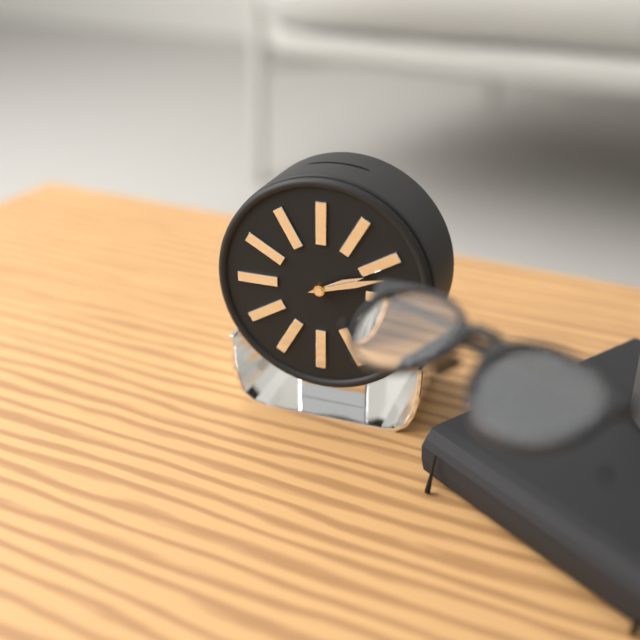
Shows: h=2 m=12
